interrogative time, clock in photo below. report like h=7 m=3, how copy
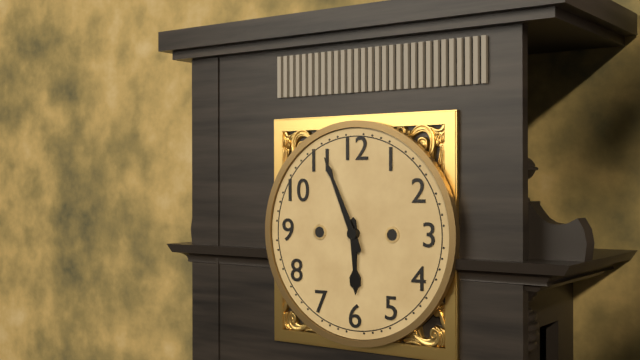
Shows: h=5 m=56
